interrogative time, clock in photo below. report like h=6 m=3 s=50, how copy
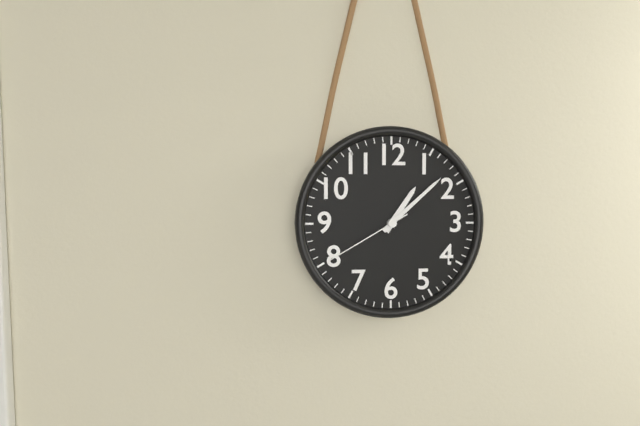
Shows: h=1 m=8 s=40
